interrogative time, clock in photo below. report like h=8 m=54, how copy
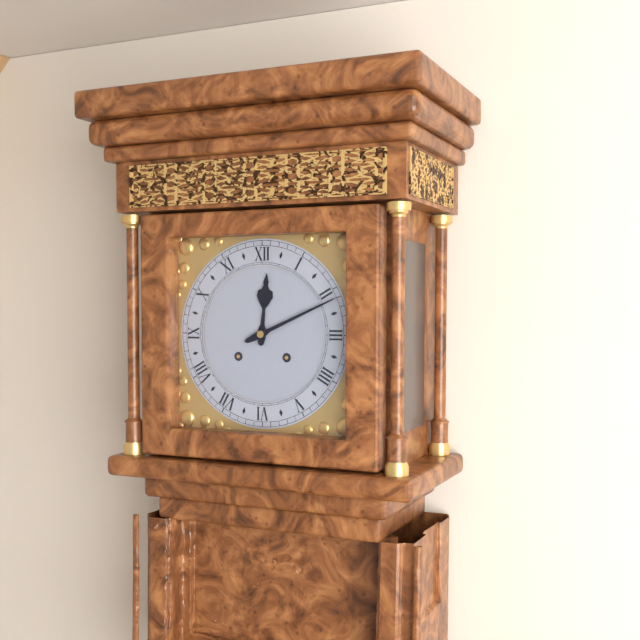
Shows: h=12 m=11
